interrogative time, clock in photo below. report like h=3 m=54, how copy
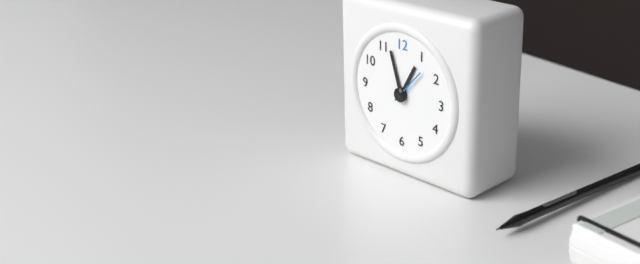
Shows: h=12 m=57
